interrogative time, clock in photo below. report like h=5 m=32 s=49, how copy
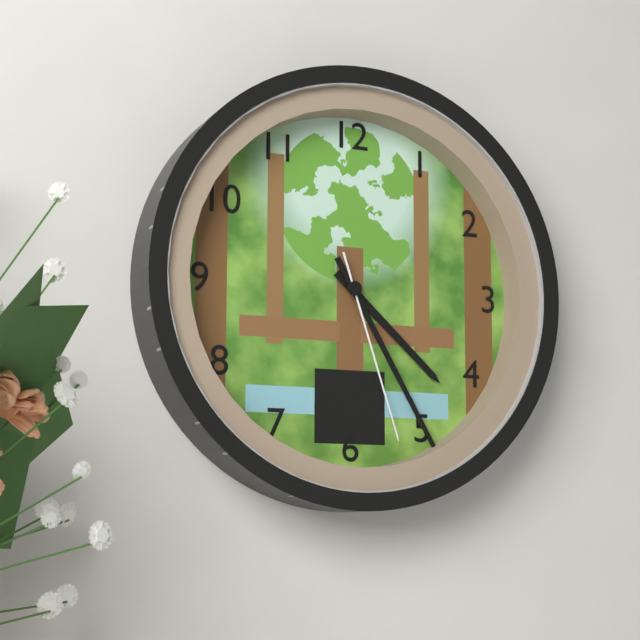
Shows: h=4 m=25 s=27
